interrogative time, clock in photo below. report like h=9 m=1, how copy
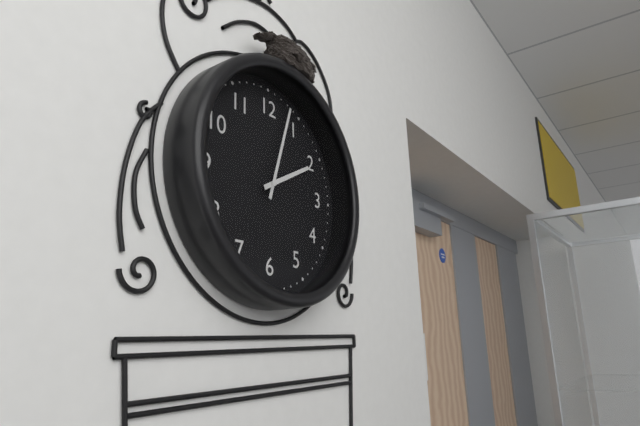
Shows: h=2 m=3
